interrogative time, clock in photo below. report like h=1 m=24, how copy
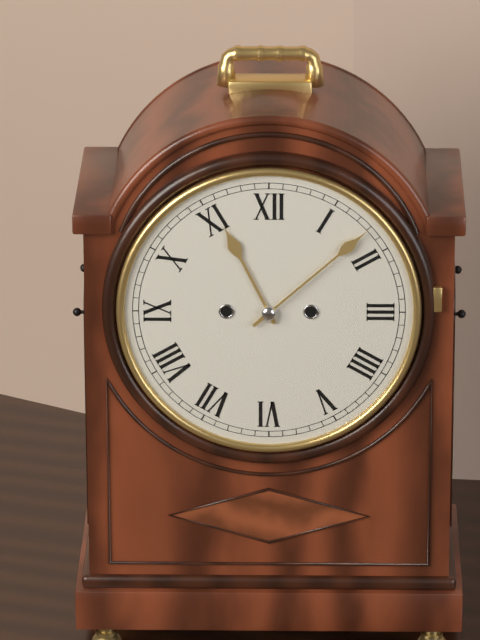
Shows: h=11 m=8
